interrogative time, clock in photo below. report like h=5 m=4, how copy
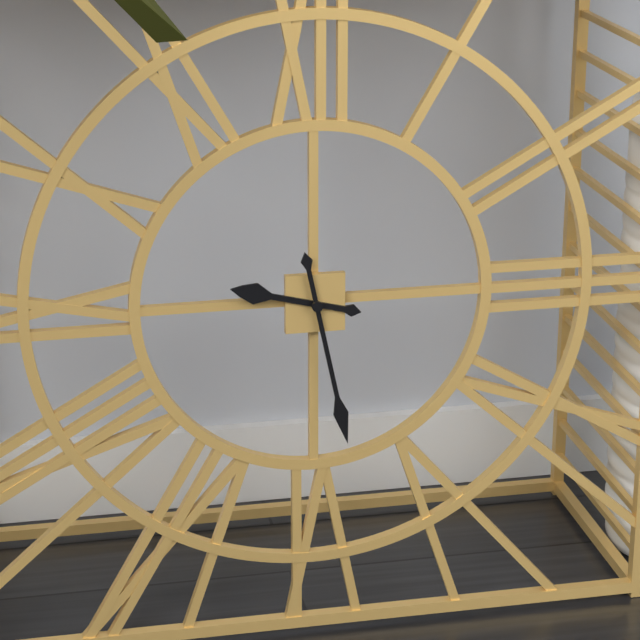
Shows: h=9 m=28
